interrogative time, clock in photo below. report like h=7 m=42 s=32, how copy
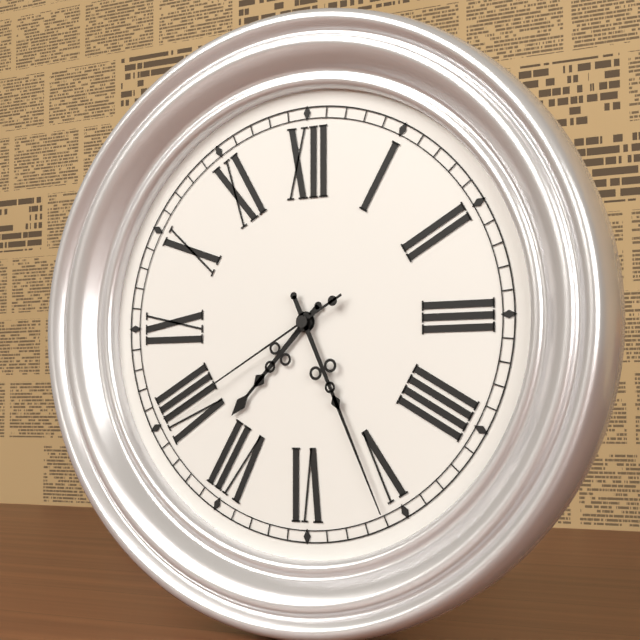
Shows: h=7 m=26 s=40
